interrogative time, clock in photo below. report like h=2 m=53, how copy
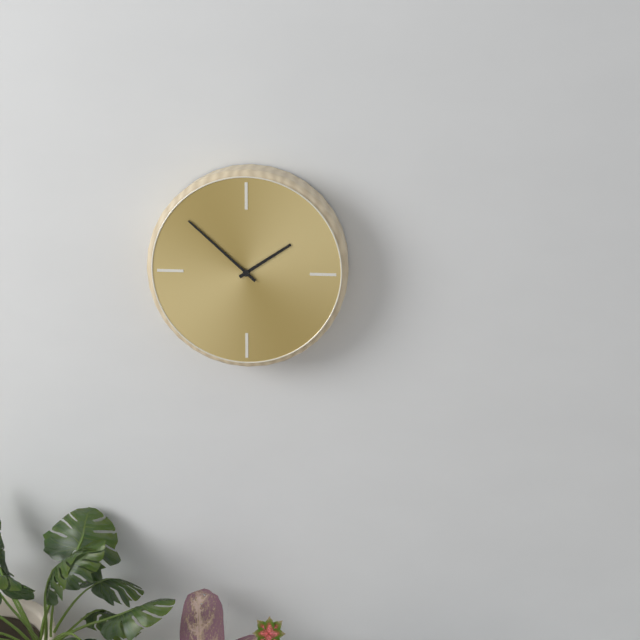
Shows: h=1 m=52
